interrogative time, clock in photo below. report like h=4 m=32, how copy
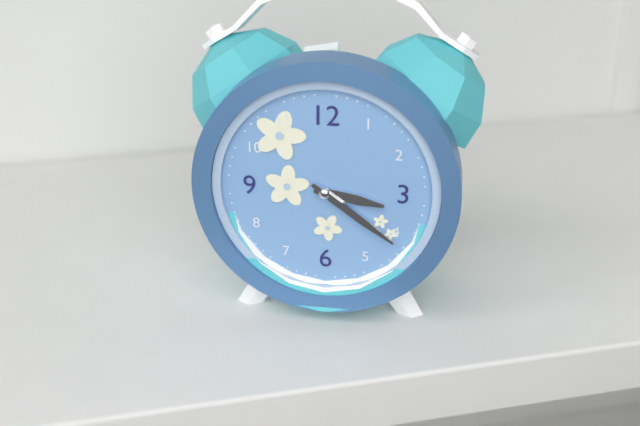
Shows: h=3 m=21
